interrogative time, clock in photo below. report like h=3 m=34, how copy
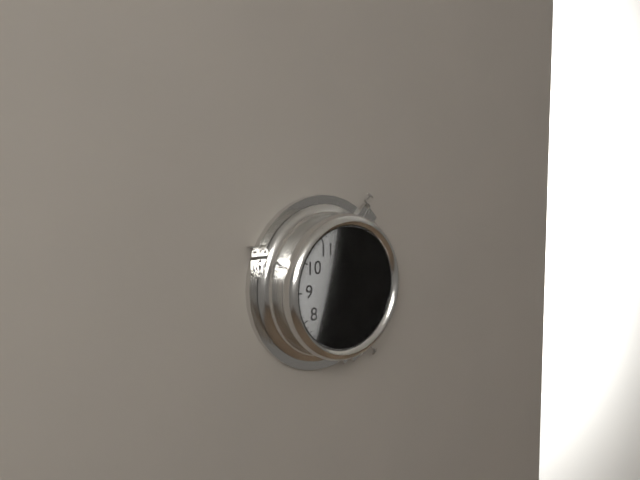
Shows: h=12 m=6
